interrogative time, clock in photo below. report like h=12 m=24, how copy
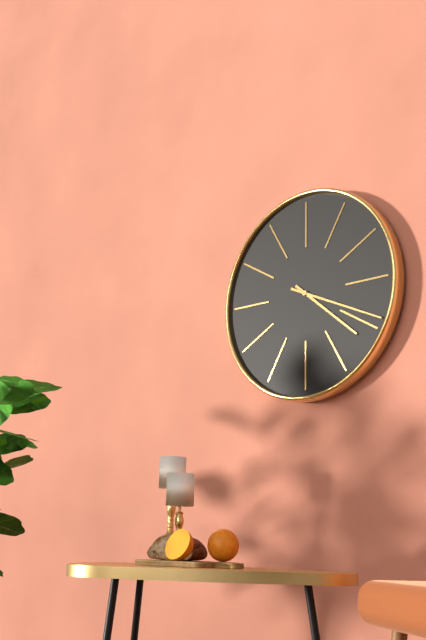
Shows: h=4 m=19
